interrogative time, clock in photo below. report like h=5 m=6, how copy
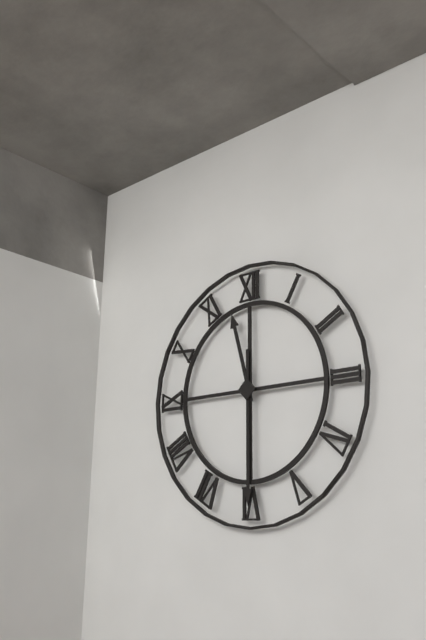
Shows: h=11 m=30
